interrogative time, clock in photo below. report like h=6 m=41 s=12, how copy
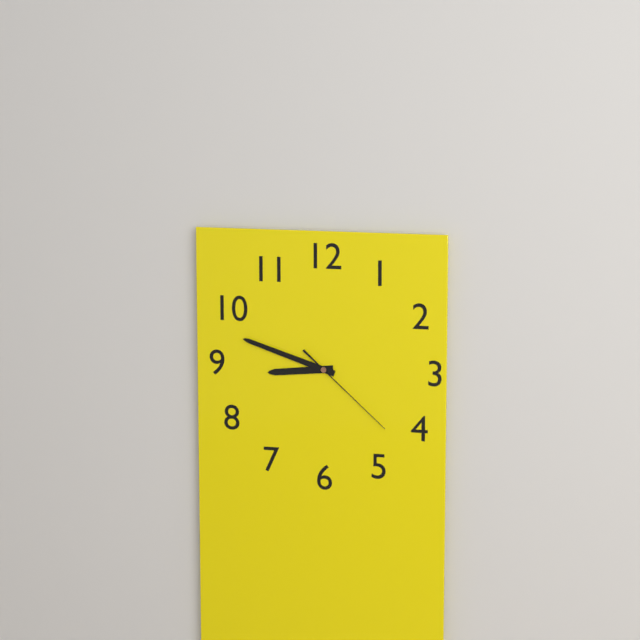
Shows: h=8 m=48 s=22
